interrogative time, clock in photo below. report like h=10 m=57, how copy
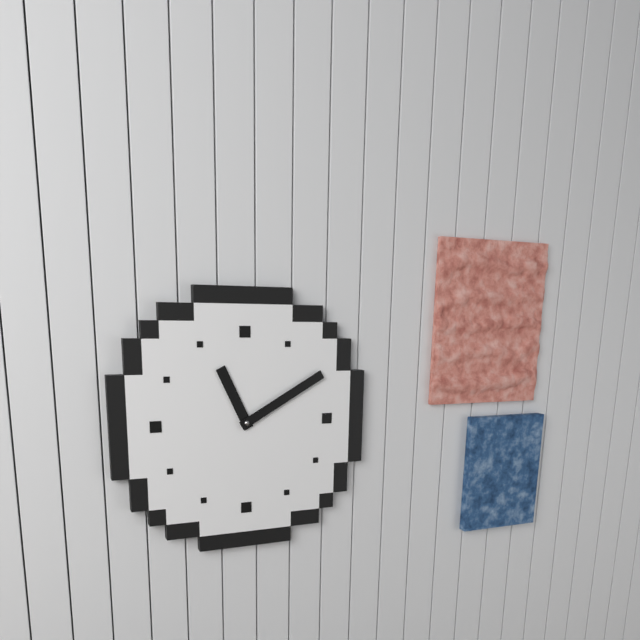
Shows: h=11 m=10
